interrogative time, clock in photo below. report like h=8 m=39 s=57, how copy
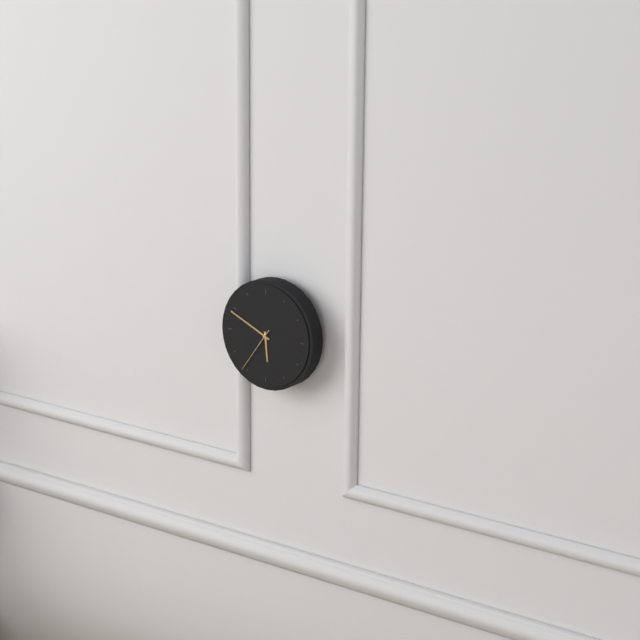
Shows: h=5 m=49 s=36
